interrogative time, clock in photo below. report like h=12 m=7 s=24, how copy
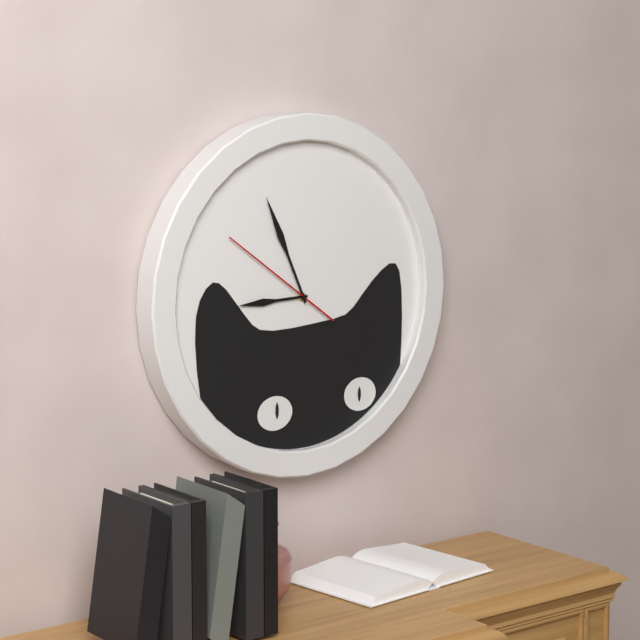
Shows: h=8 m=56 s=51
